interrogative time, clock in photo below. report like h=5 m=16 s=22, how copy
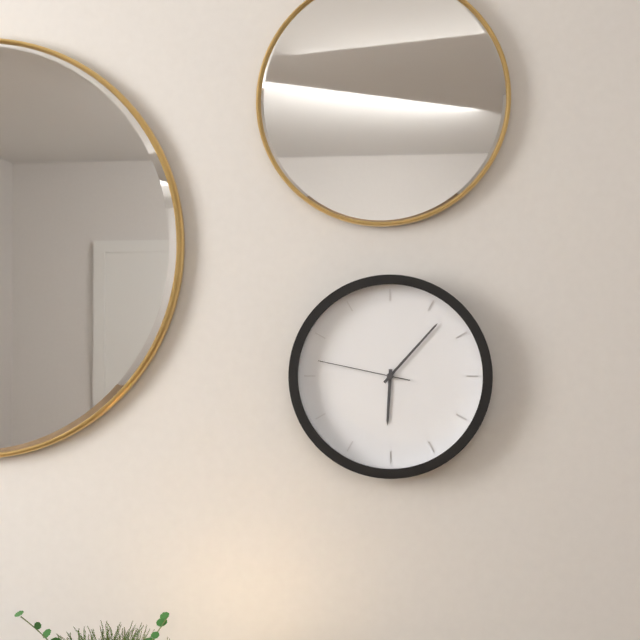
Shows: h=6 m=7 s=47
